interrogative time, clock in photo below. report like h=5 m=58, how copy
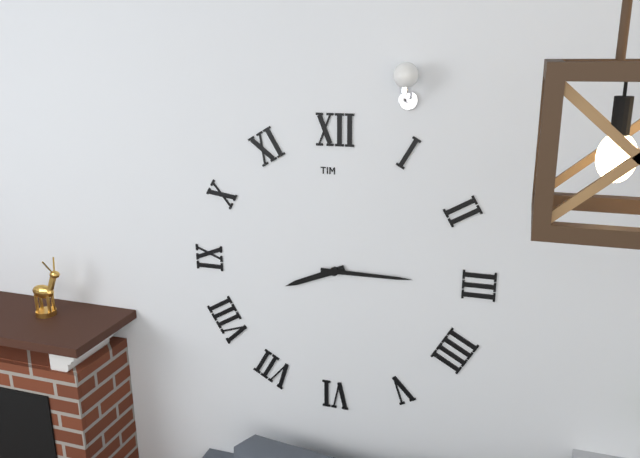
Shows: h=8 m=15
